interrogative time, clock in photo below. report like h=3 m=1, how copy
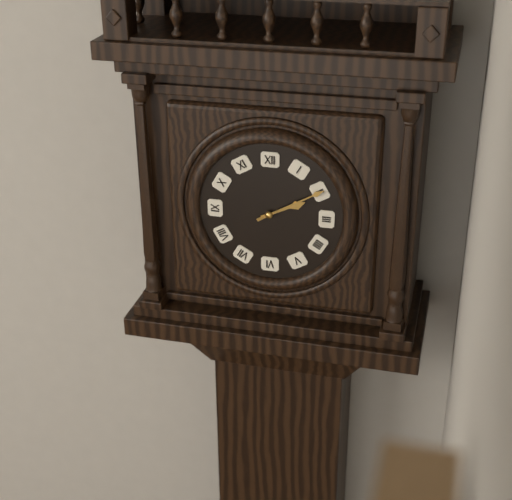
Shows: h=2 m=10
